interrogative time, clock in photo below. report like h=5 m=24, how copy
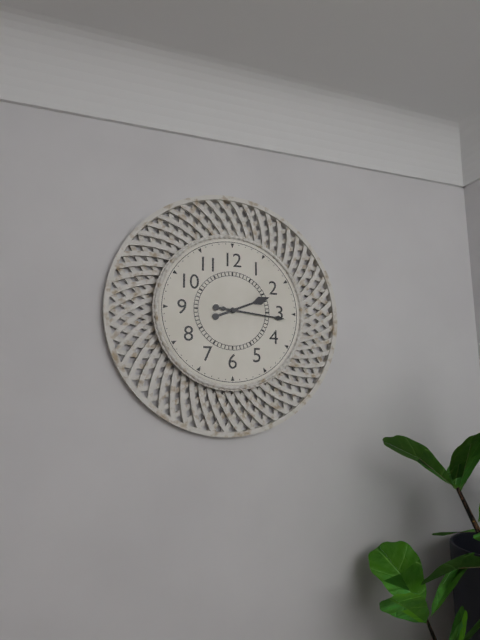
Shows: h=2 m=16
